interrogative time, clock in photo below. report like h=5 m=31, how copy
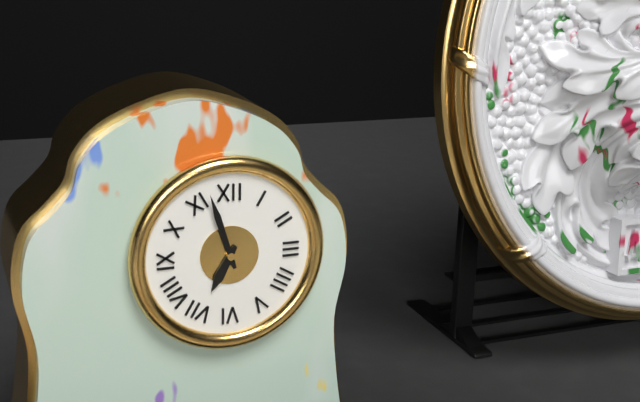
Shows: h=6 m=57
